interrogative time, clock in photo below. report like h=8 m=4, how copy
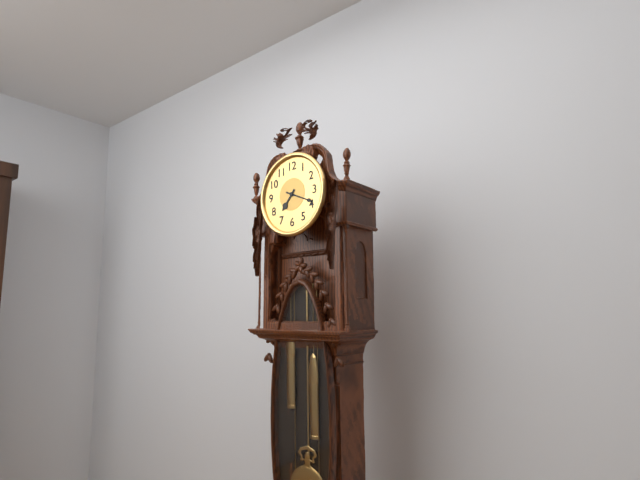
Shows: h=7 m=19
